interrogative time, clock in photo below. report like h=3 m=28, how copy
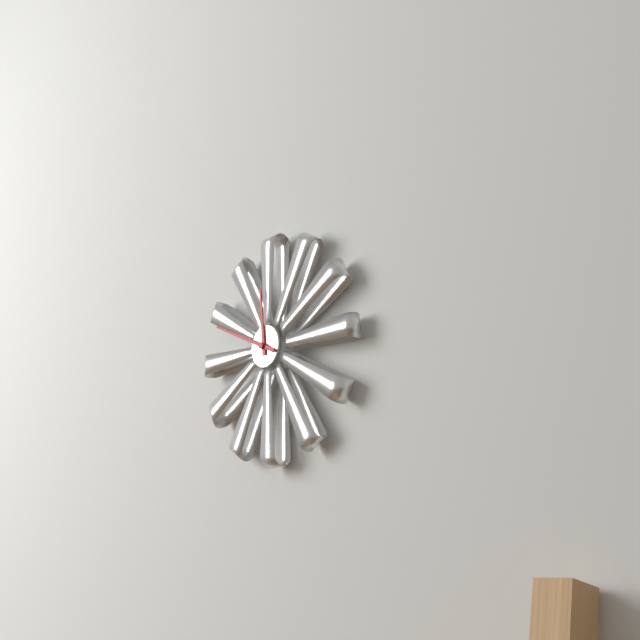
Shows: h=11 m=49
